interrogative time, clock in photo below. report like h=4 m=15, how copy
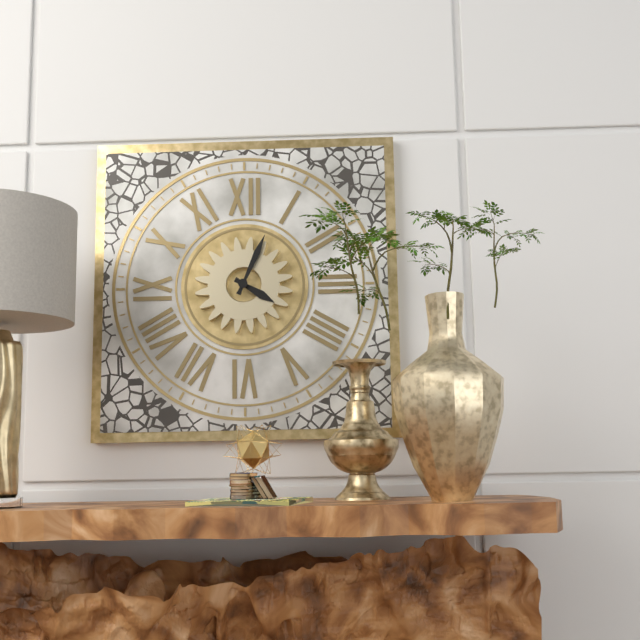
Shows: h=4 m=4
